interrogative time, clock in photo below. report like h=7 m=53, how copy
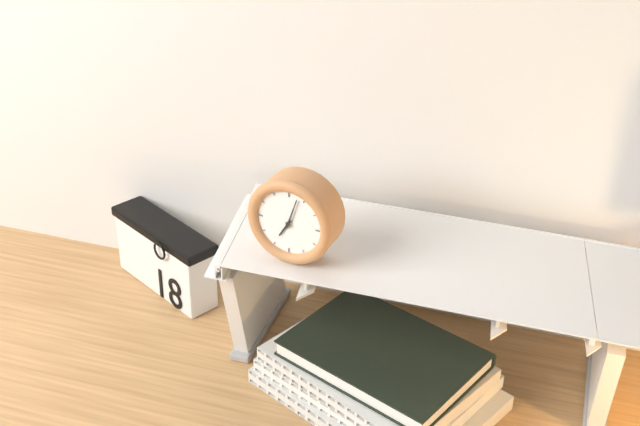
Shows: h=7 m=3
